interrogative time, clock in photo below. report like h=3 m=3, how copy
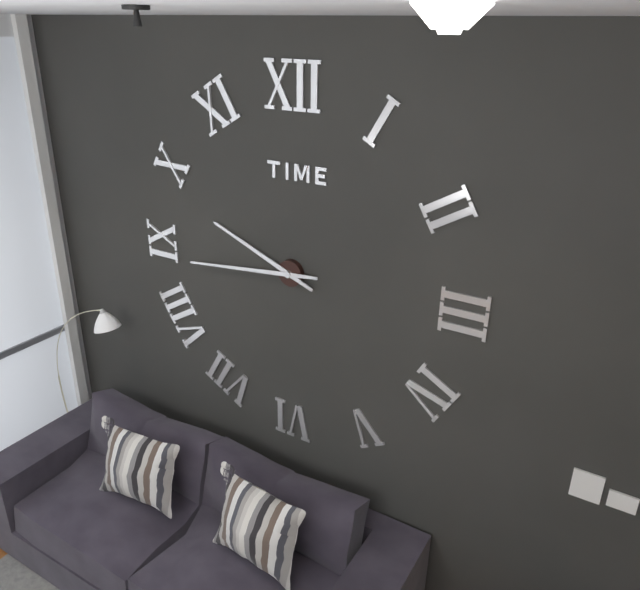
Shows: h=9 m=44
